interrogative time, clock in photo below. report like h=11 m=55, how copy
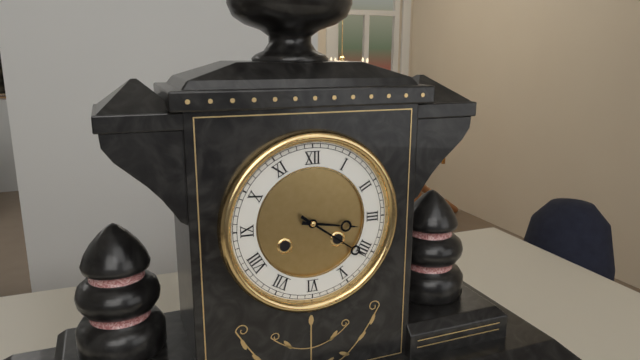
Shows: h=3 m=21
